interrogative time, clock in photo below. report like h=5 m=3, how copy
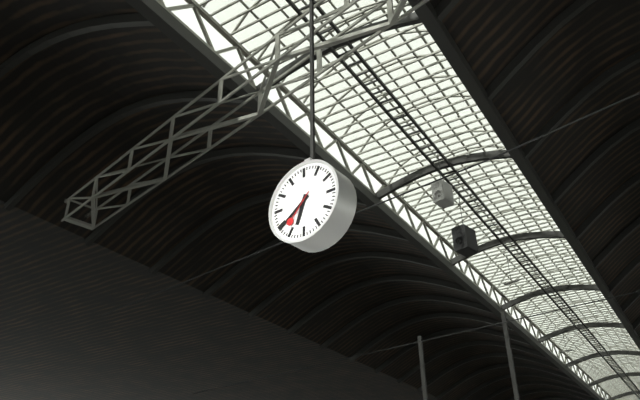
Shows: h=6 m=39
